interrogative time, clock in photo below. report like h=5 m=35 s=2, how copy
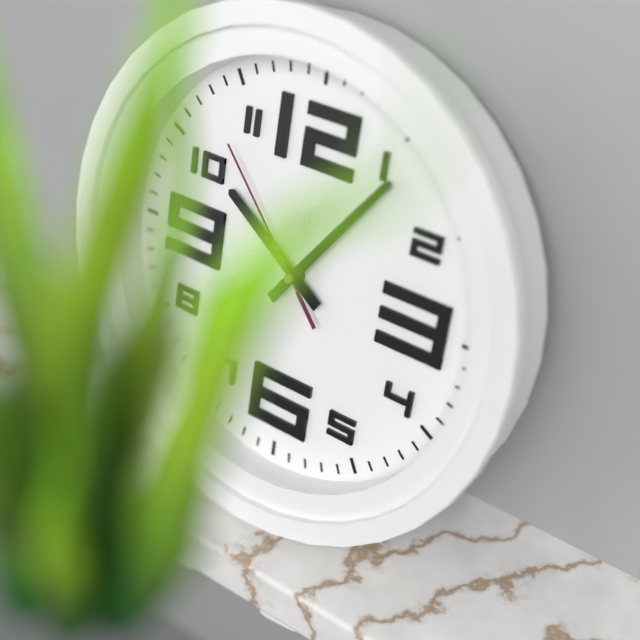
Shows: h=10 m=6 s=53
